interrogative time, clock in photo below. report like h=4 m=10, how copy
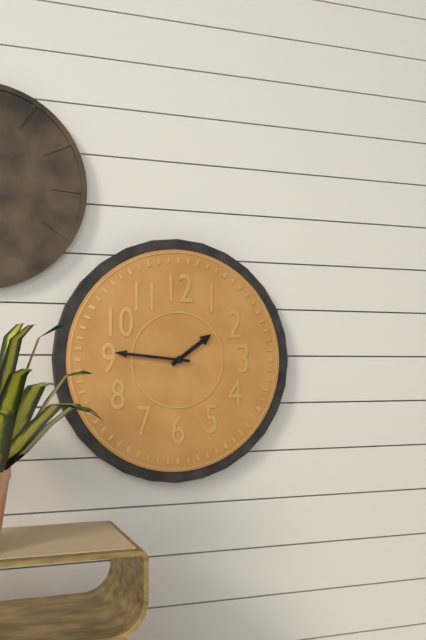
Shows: h=1 m=46
